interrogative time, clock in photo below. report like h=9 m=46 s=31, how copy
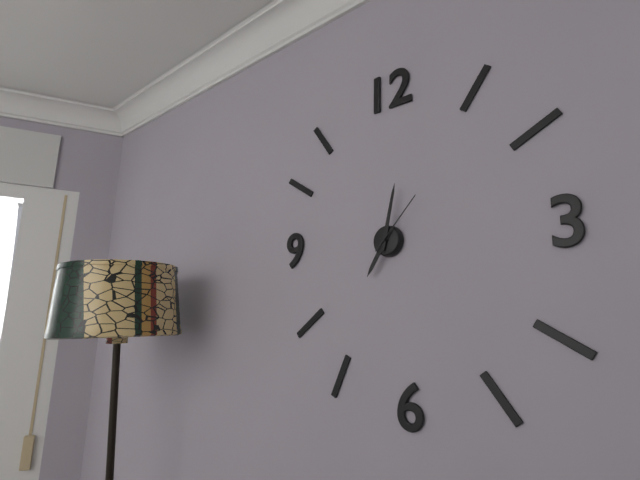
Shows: h=7 m=2 s=7
